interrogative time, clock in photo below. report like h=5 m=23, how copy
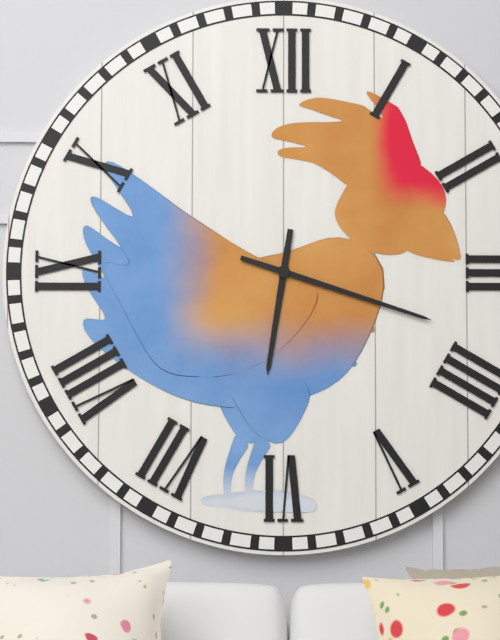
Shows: h=6 m=18
